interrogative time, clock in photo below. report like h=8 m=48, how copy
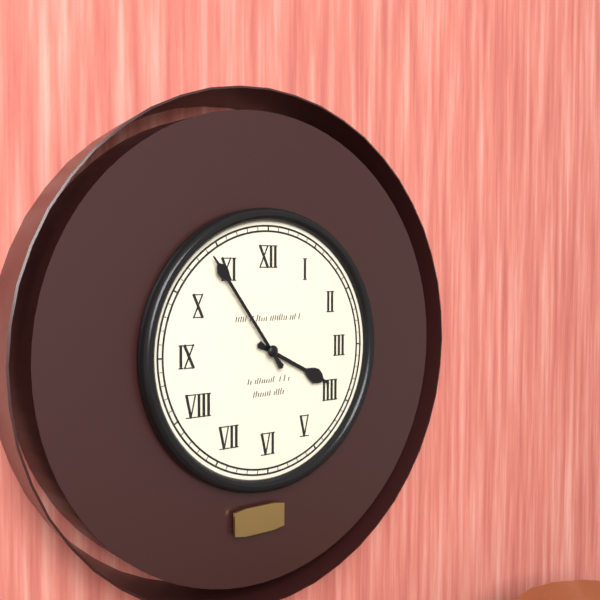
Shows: h=3 m=54
